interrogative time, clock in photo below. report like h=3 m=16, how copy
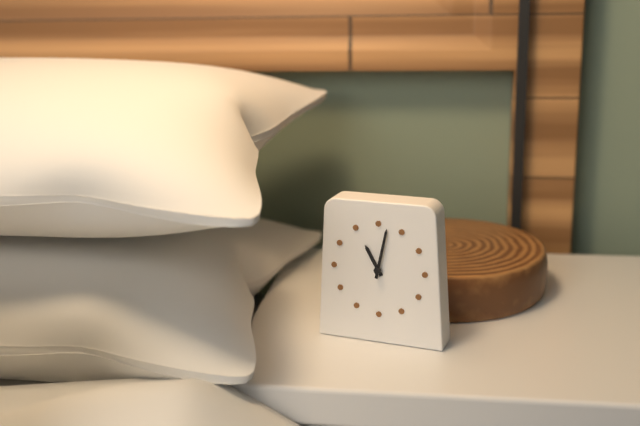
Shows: h=11 m=2
